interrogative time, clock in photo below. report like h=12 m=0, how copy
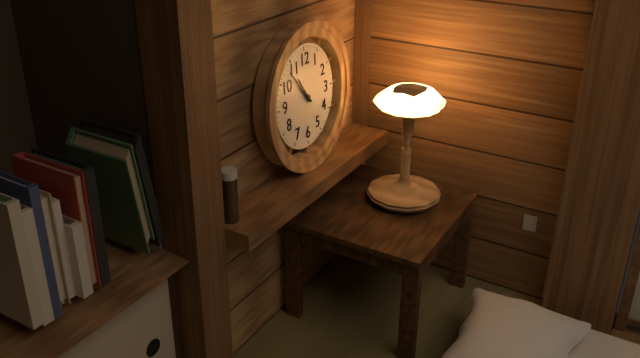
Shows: h=10 m=53
